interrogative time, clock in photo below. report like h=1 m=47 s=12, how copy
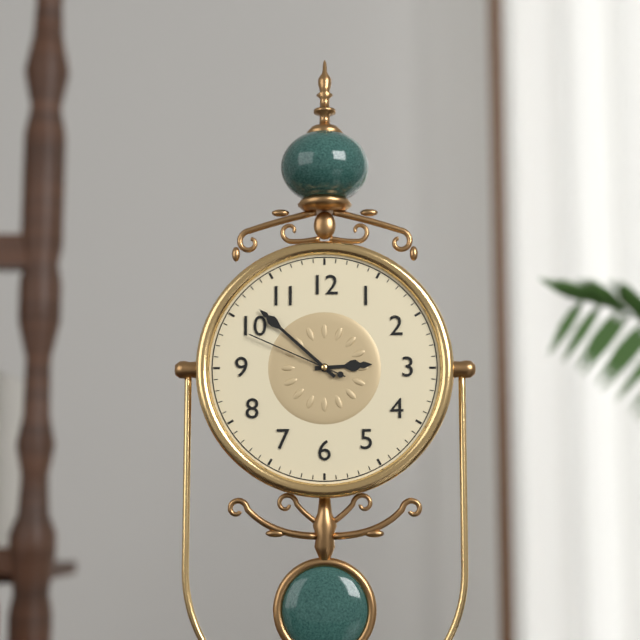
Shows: h=2 m=52 s=49
